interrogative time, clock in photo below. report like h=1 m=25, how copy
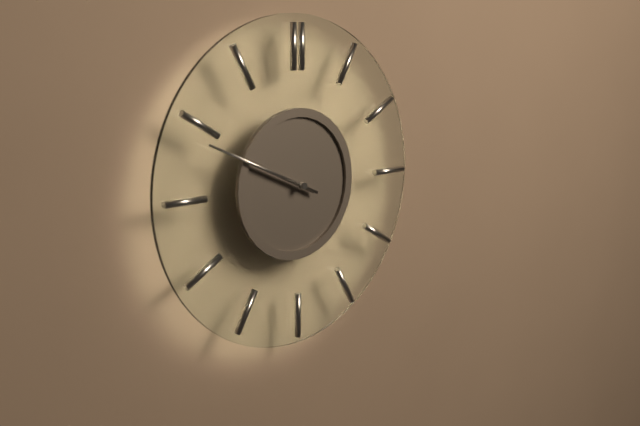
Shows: h=9 m=49
